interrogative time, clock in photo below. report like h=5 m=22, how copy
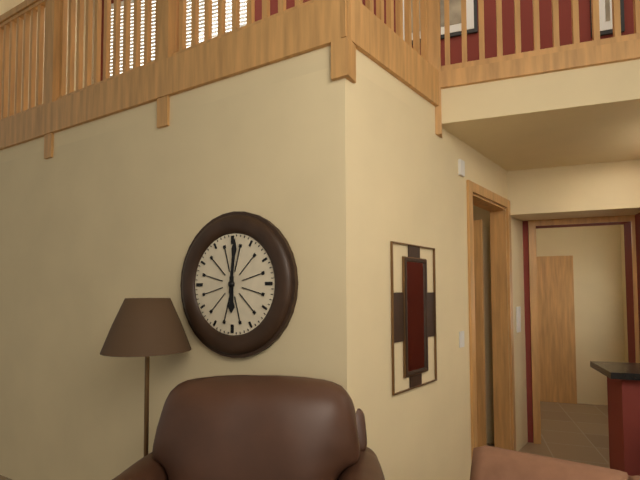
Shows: h=6 m=1
